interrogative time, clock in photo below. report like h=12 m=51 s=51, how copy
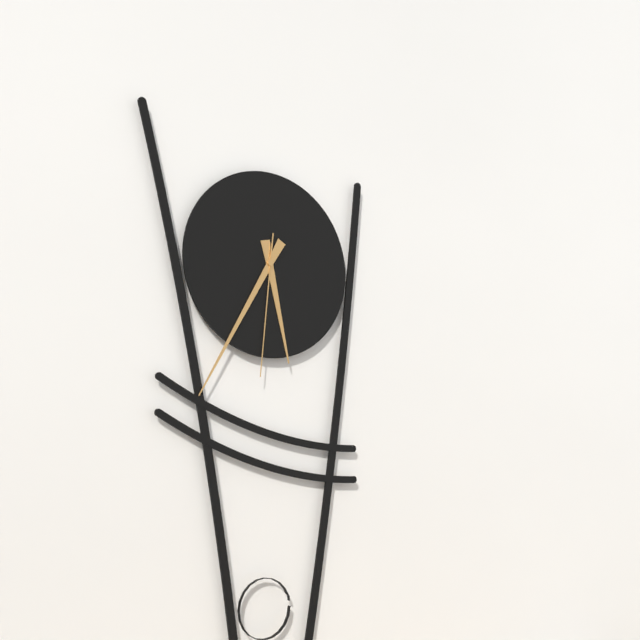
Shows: h=5 m=35 s=31
